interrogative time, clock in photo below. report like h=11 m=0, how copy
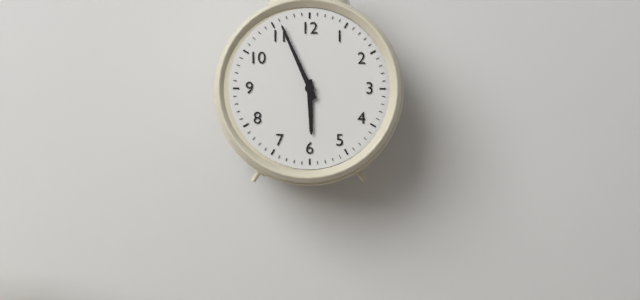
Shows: h=5 m=56
